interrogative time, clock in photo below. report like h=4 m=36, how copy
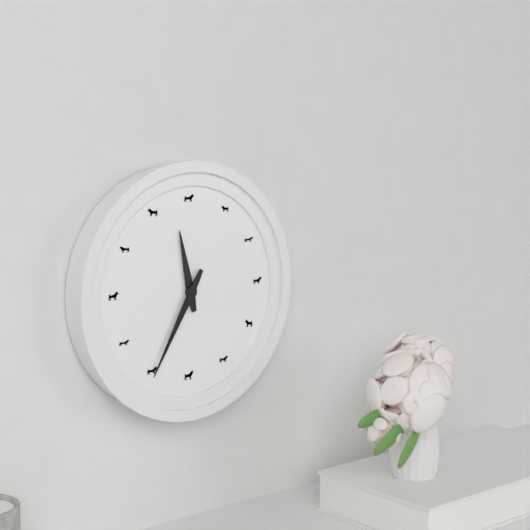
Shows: h=11 m=35
